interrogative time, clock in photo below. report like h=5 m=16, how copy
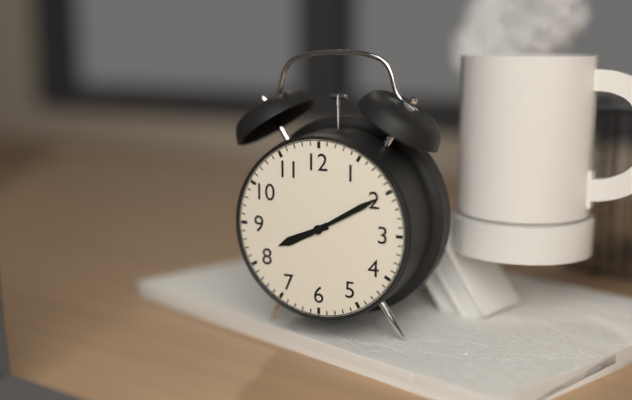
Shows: h=8 m=10
